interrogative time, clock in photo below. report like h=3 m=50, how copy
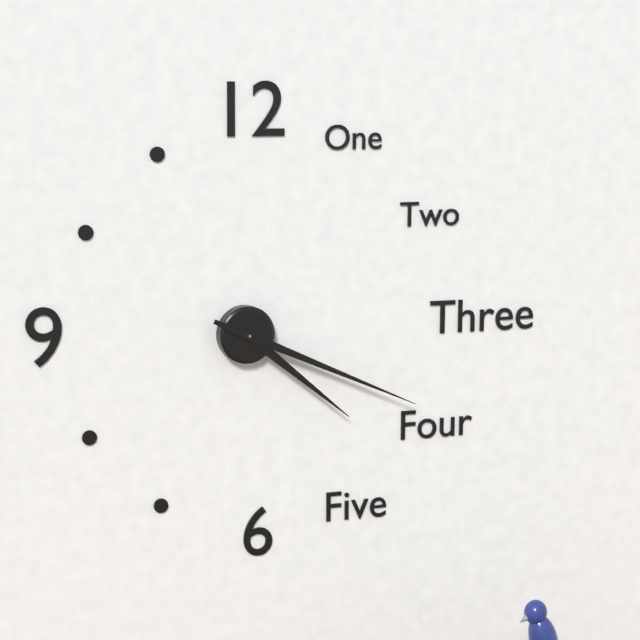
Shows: h=4 m=19
